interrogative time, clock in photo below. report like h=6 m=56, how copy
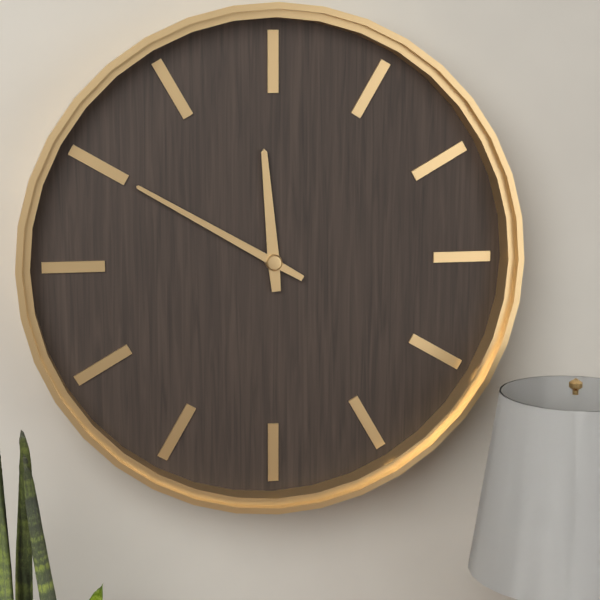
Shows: h=11 m=50
